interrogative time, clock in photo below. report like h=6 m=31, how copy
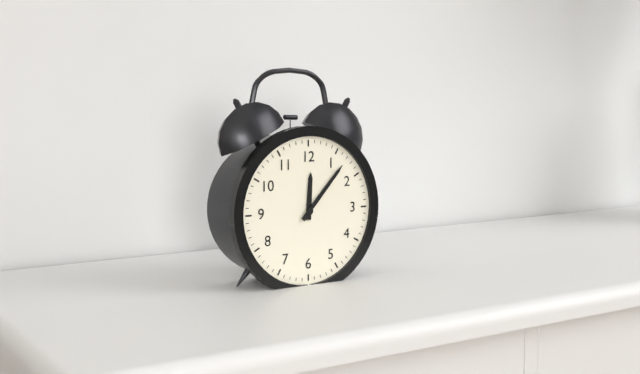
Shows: h=12 m=7
